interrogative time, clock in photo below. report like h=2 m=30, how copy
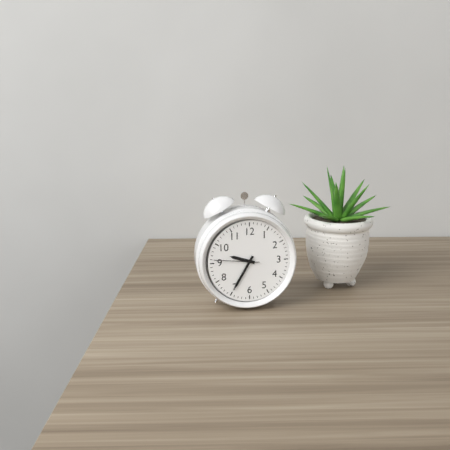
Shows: h=9 m=35
